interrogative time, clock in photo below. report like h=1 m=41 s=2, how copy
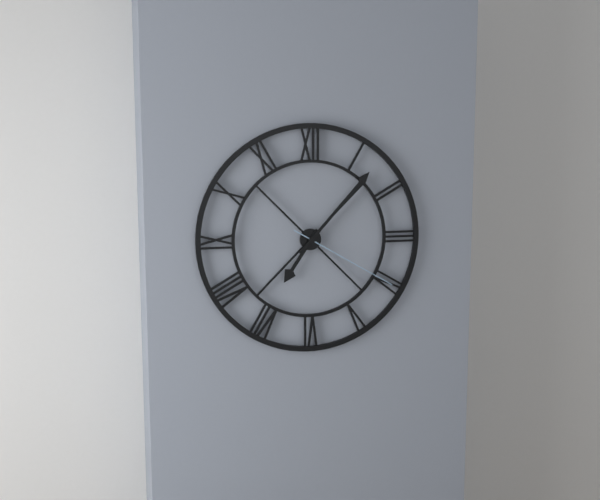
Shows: h=7 m=7 s=20
